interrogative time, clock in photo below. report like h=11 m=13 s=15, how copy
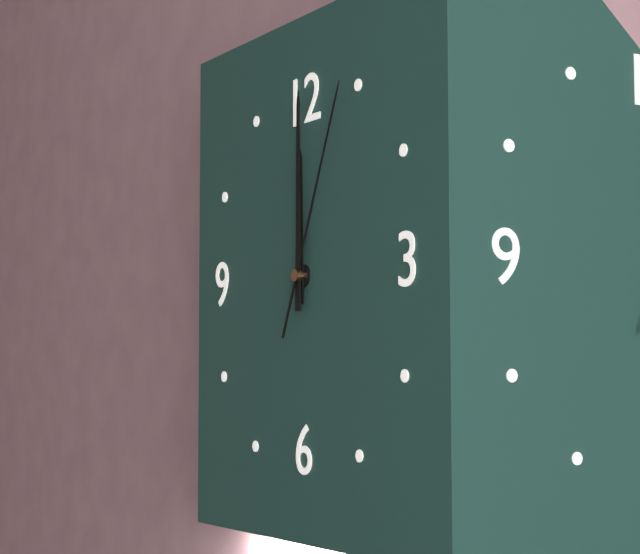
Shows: h=12 m=0 s=4
